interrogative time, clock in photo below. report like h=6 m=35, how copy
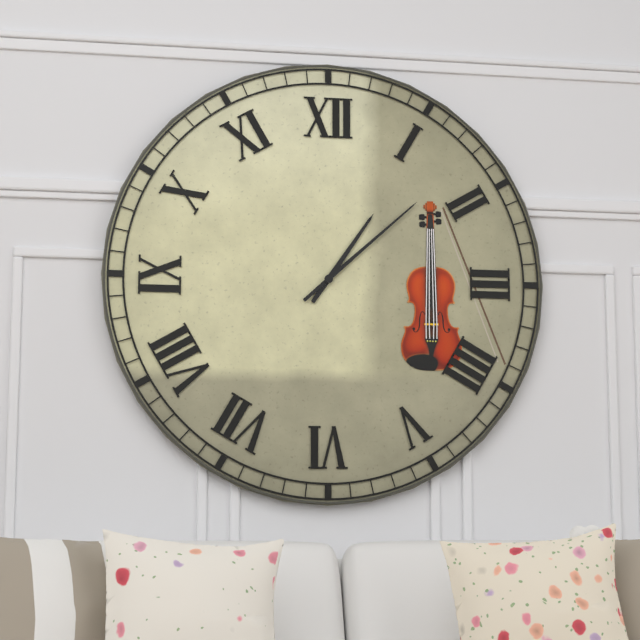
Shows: h=1 m=8
